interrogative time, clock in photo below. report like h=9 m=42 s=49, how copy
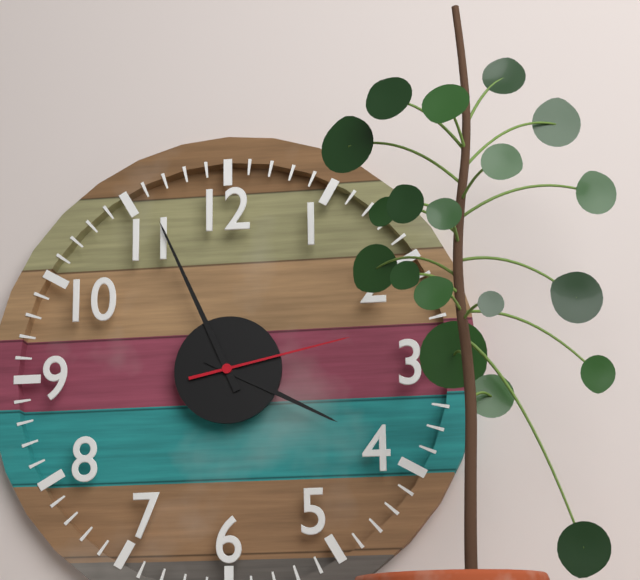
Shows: h=3 m=56 s=13
